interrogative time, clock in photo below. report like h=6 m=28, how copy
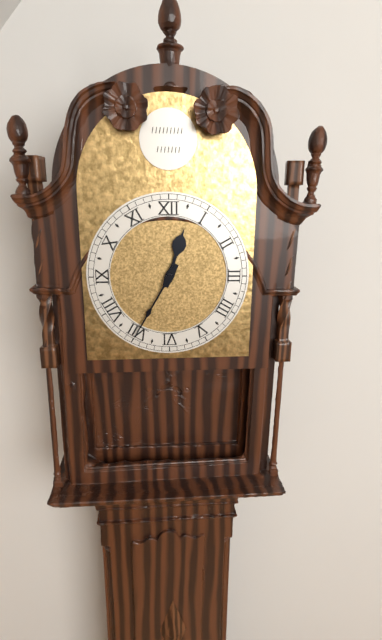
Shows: h=12 m=35
